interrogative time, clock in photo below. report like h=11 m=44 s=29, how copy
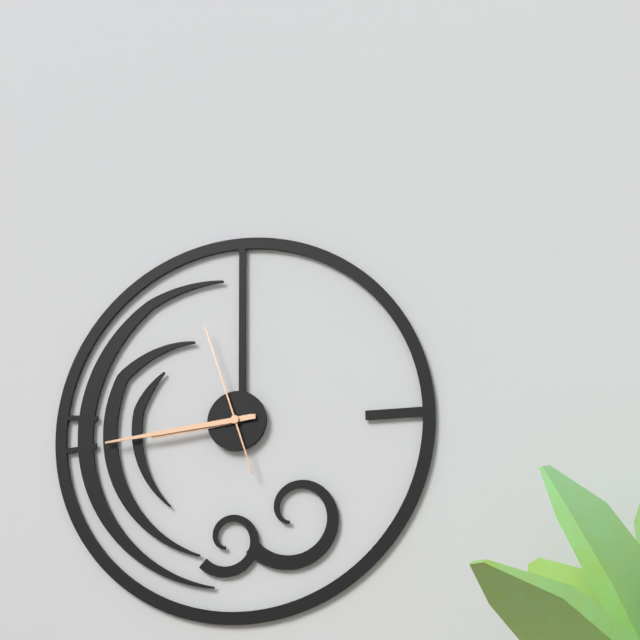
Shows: h=8 m=44 s=57
